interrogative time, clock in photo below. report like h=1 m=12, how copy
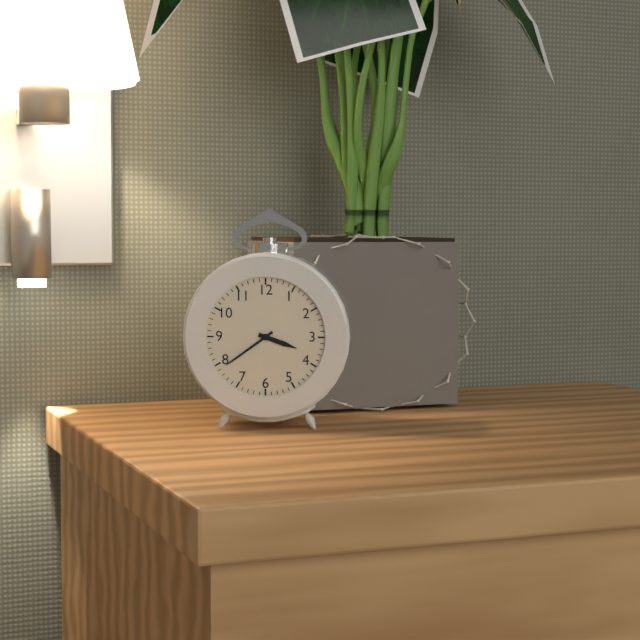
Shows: h=3 m=39
